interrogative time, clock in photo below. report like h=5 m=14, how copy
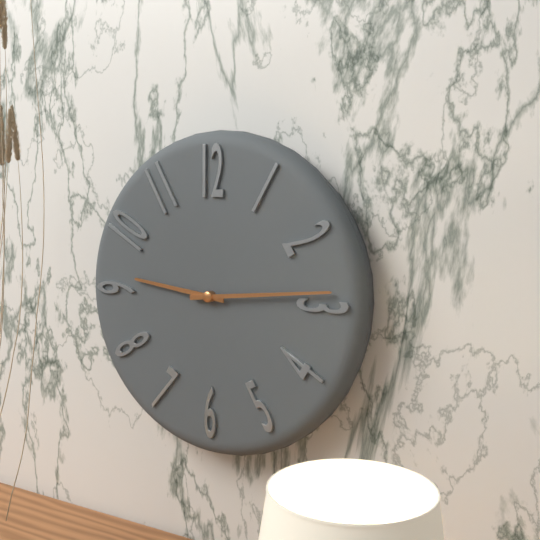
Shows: h=9 m=14
